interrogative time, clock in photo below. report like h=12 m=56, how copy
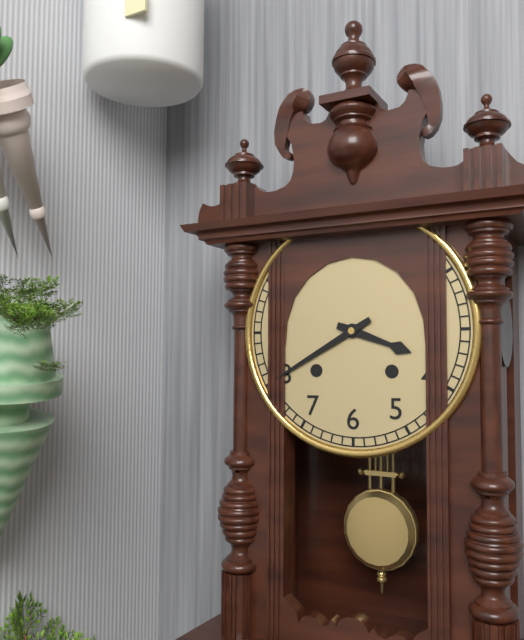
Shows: h=3 m=40
